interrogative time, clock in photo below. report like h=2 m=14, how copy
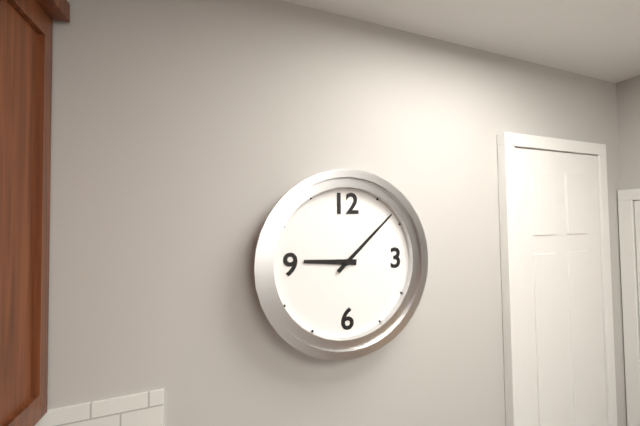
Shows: h=9 m=8
